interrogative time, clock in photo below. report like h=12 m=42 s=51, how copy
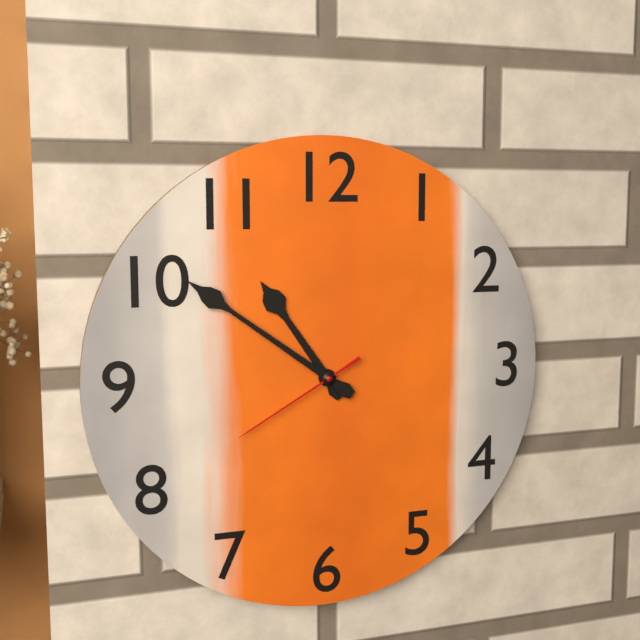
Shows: h=10 m=51 s=40
